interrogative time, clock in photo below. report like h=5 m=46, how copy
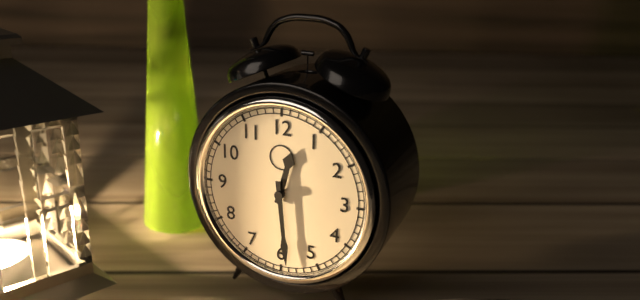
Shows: h=12 m=29
